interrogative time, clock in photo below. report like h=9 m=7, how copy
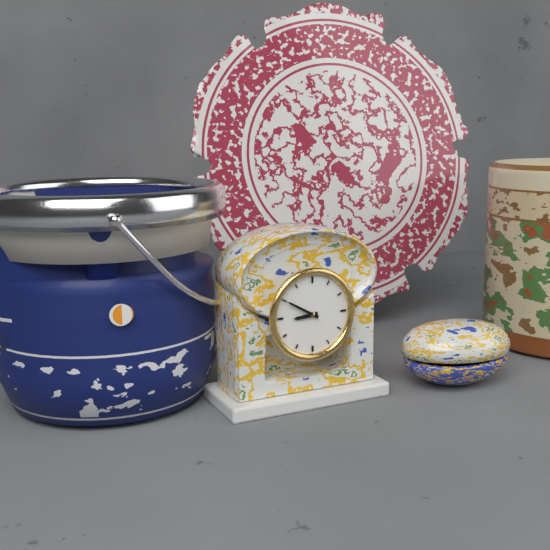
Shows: h=8 m=50
